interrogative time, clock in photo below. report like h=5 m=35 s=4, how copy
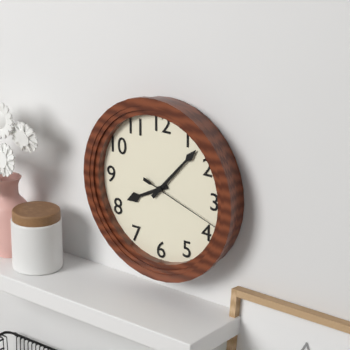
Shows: h=8 m=7 s=18
